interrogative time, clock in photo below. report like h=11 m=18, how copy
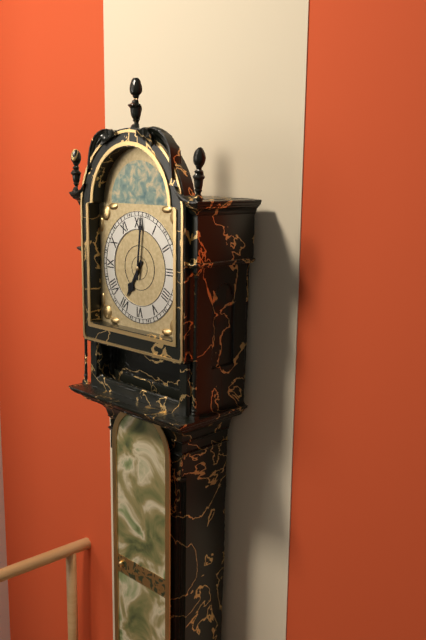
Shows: h=7 m=1
